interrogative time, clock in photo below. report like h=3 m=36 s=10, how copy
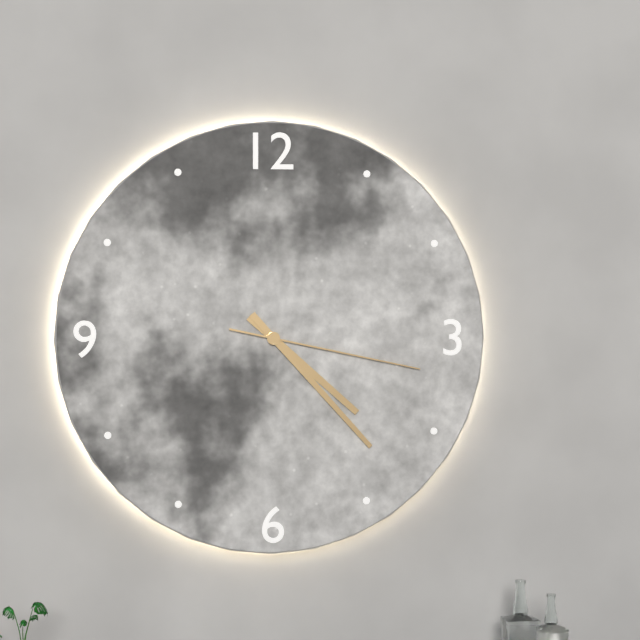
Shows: h=4 m=23 s=17
